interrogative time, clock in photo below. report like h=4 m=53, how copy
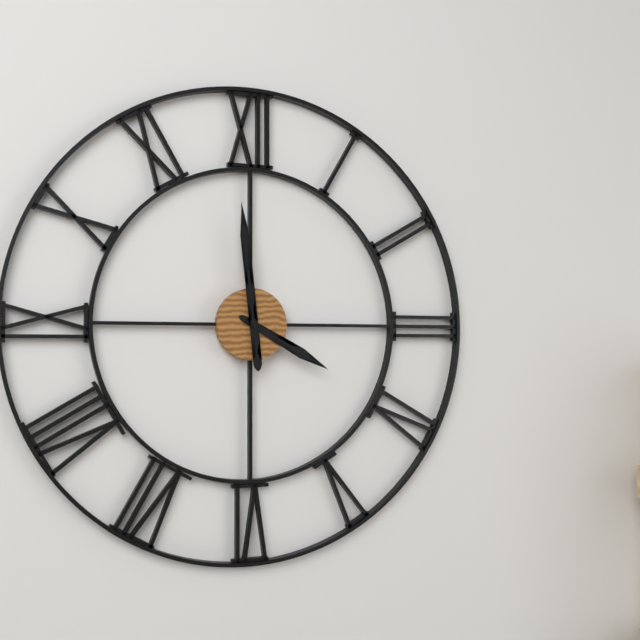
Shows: h=3 m=59
